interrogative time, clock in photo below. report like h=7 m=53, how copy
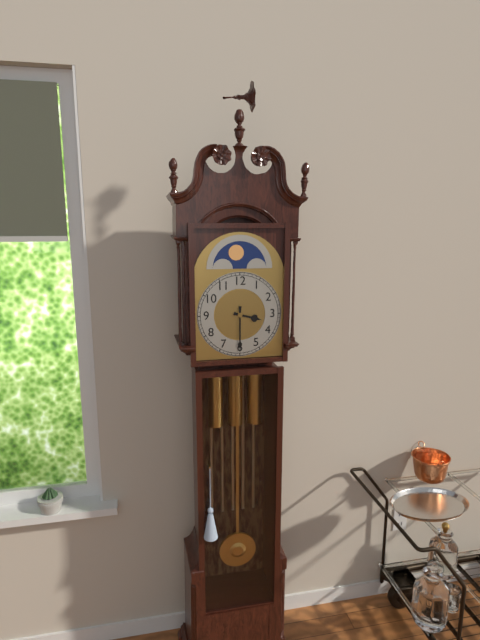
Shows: h=3 m=30
